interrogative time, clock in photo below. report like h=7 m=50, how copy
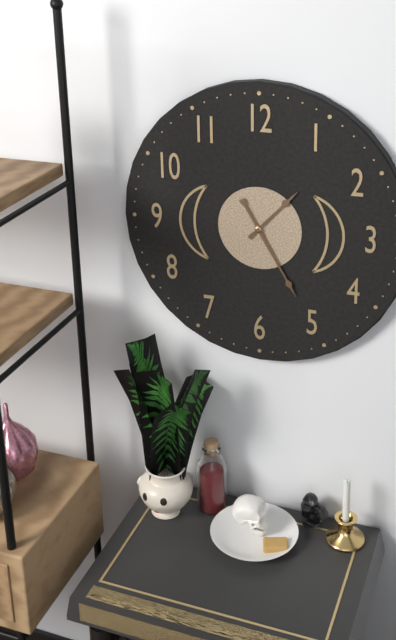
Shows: h=1 m=25
